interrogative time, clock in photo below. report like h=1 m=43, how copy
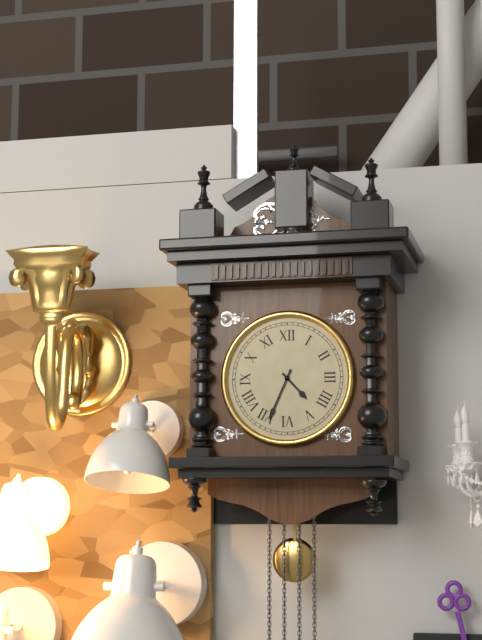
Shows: h=4 m=34
